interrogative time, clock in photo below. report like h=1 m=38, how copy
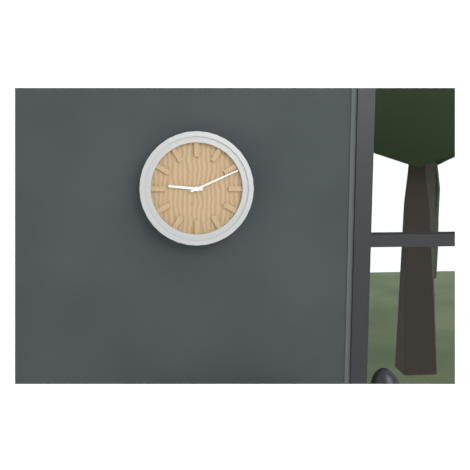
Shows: h=9 m=11
